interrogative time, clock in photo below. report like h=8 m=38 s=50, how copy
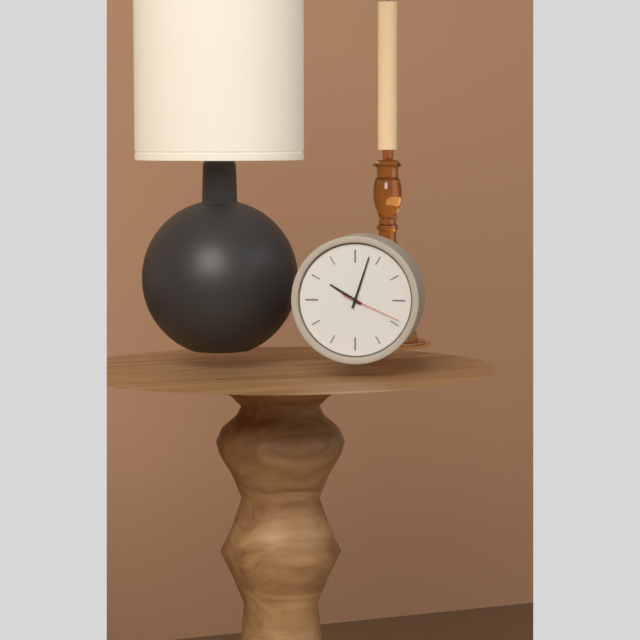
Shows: h=10 m=3 s=19
